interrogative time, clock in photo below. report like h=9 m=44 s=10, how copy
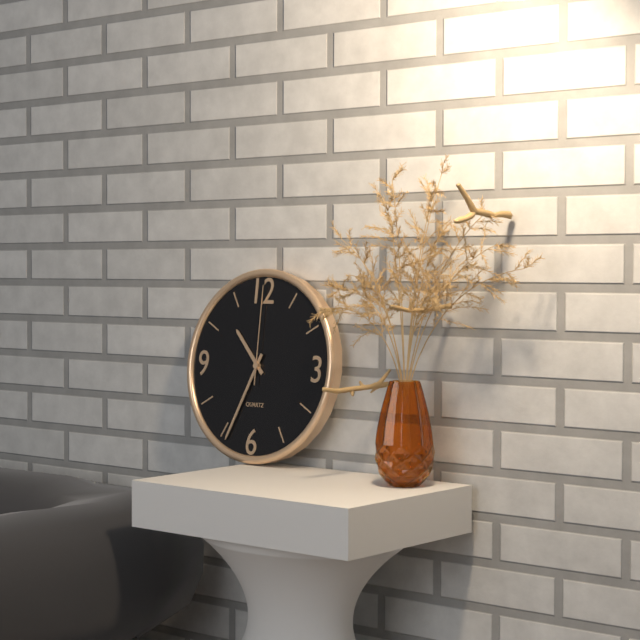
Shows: h=10 m=34 s=0
